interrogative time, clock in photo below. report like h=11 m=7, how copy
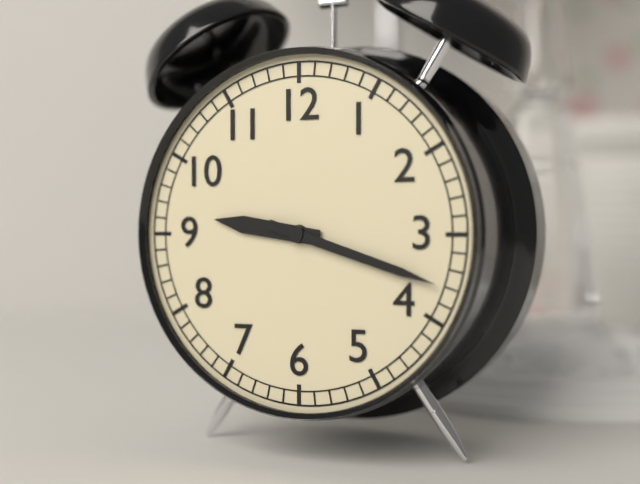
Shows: h=9 m=18
